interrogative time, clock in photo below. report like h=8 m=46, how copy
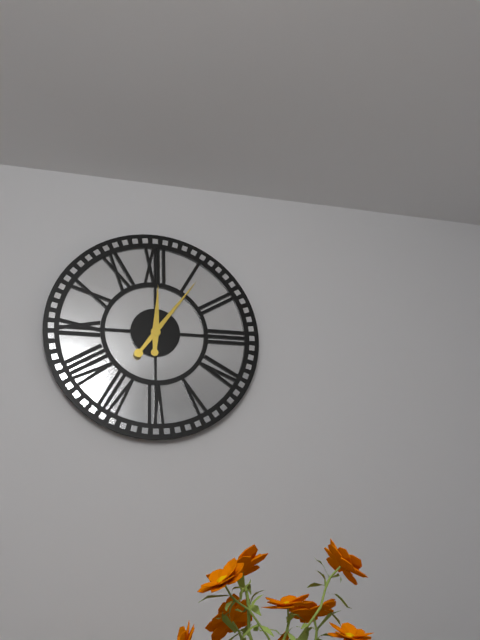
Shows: h=12 m=6
